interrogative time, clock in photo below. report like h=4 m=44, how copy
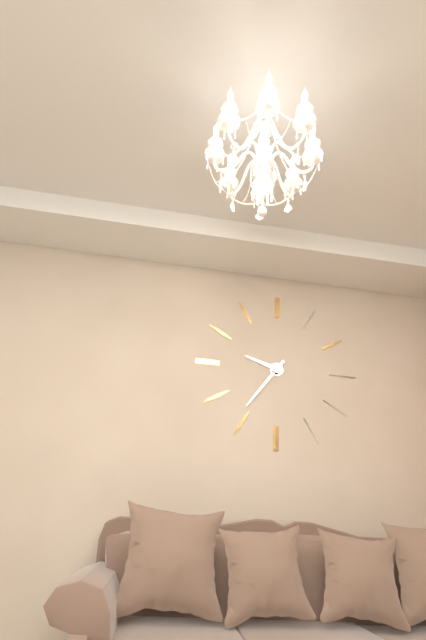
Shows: h=9 m=36
